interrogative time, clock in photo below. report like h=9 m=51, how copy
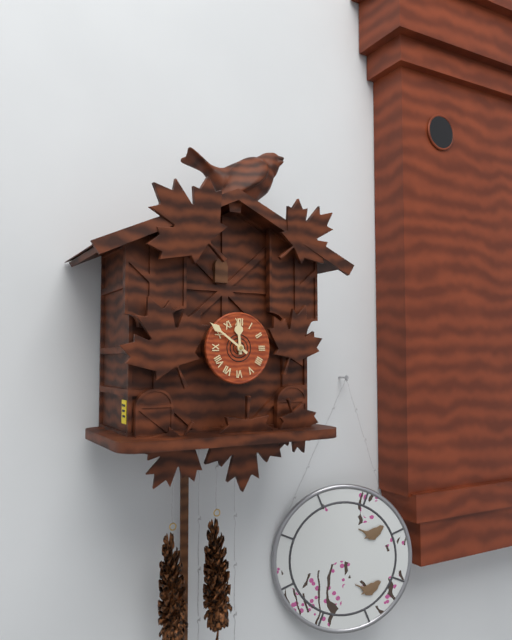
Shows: h=11 m=51
